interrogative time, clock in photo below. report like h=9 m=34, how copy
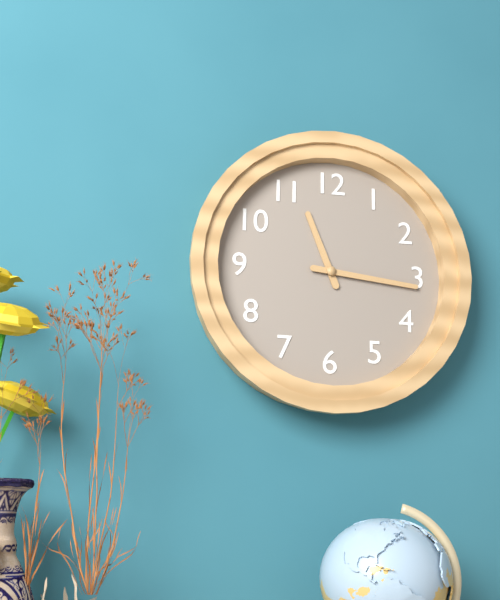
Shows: h=11 m=16
